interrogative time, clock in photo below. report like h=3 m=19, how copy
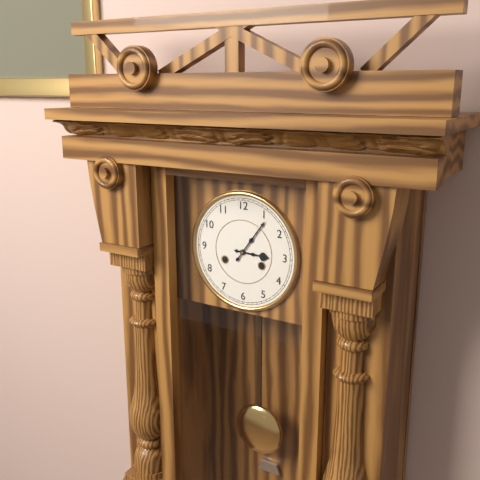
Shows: h=3 m=6
